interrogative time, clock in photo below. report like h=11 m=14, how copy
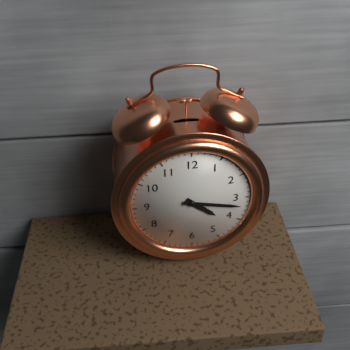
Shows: h=4 m=17
